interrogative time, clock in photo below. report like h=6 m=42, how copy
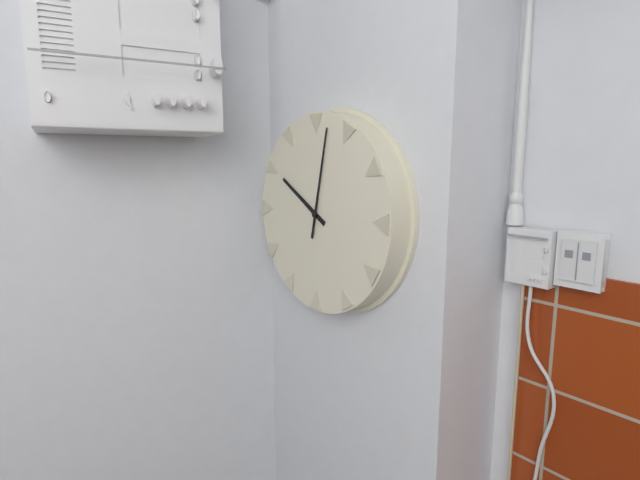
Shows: h=10 m=2
